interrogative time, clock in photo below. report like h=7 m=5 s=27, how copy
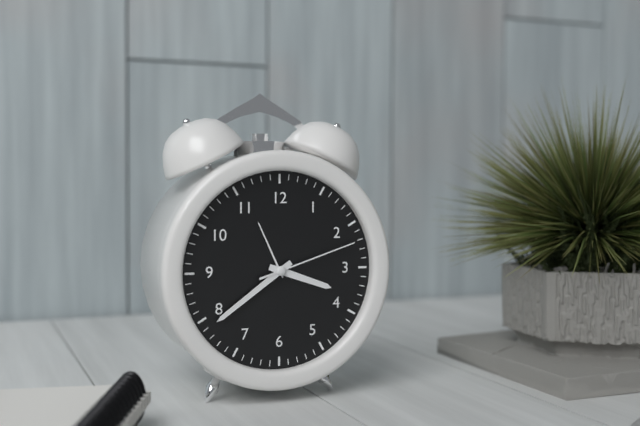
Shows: h=3 m=39 s=12
